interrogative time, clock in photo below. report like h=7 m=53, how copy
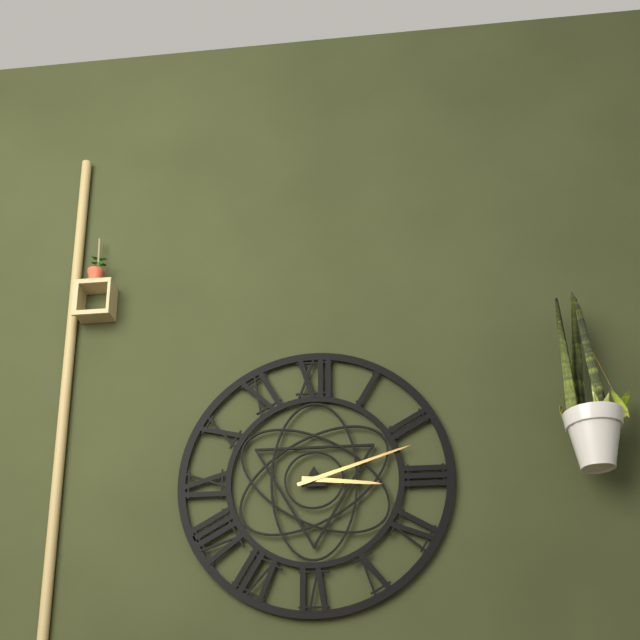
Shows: h=3 m=12
